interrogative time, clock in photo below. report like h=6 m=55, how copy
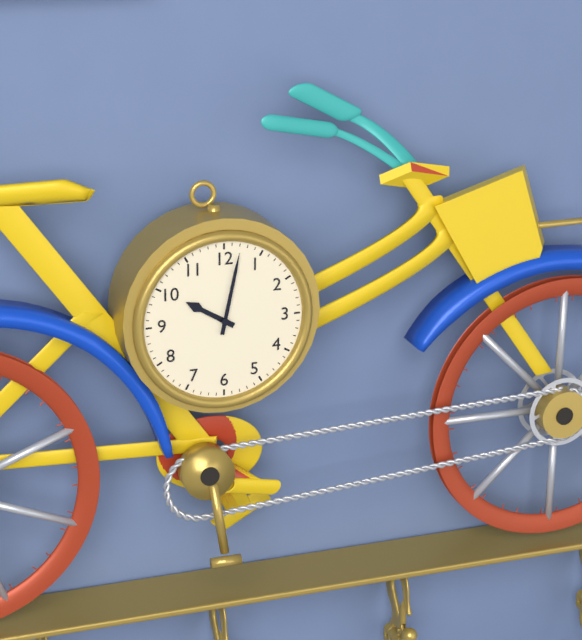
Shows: h=10 m=2
